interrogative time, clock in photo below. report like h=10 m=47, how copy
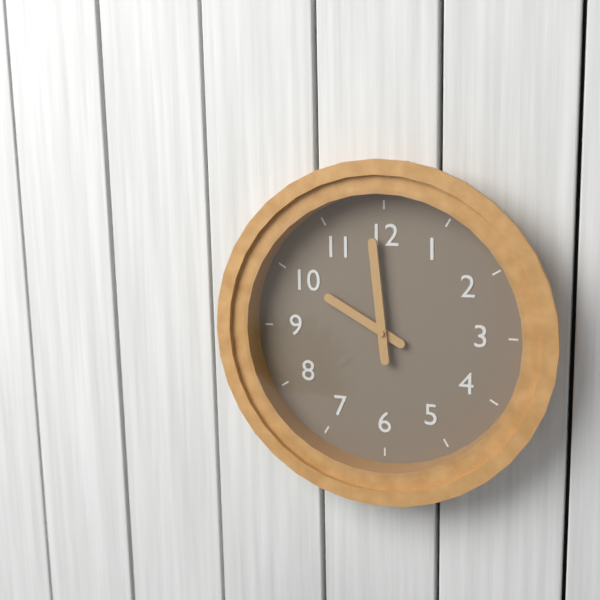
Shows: h=9 m=59
